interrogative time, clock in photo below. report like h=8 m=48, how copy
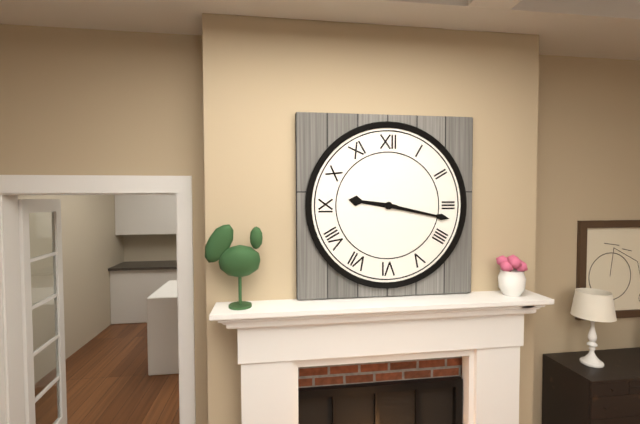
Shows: h=9 m=17
